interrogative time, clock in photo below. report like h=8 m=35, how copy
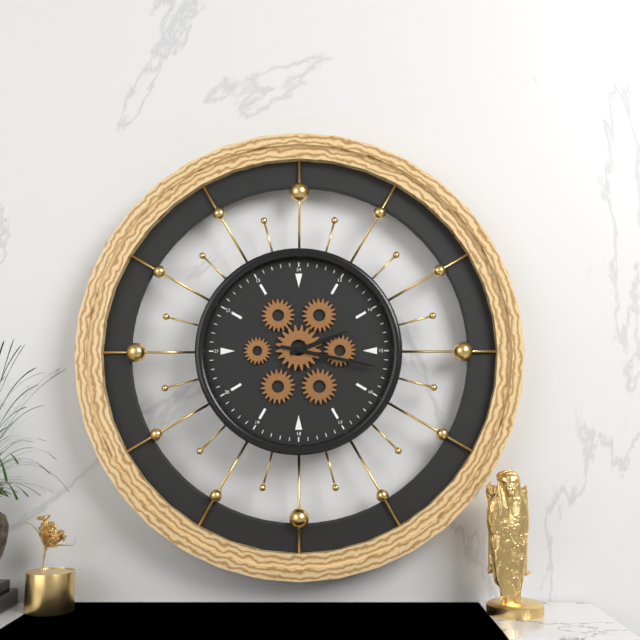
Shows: h=2 m=17
